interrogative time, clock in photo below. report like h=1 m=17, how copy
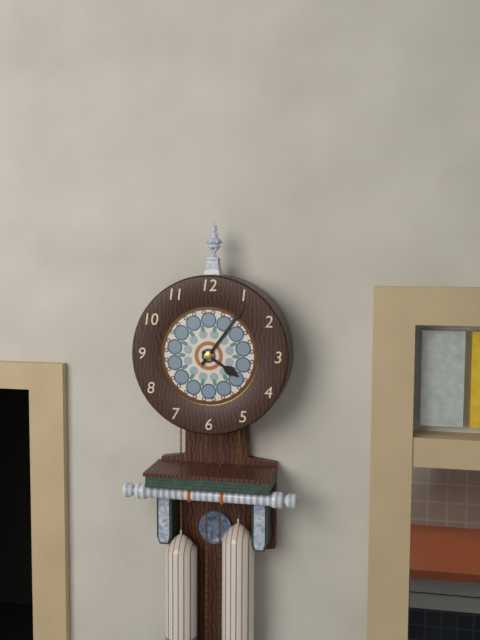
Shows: h=4 m=6
